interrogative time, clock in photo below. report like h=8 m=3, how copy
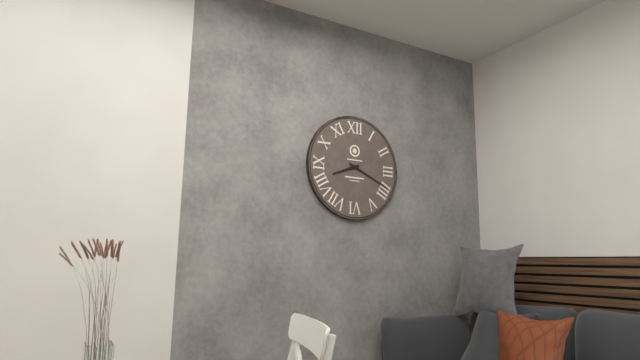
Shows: h=8 m=19
